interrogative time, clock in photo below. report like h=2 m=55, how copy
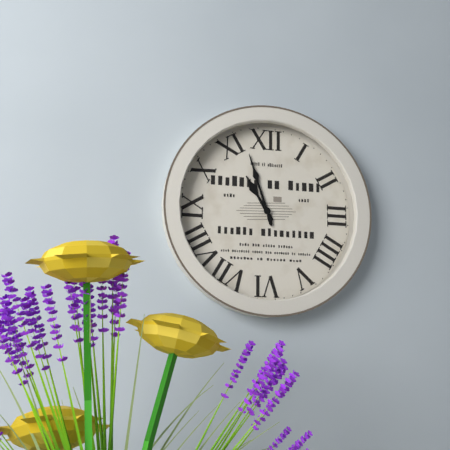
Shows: h=10 m=57
